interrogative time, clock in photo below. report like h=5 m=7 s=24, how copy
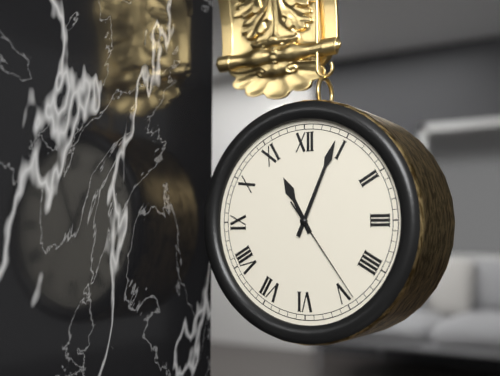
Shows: h=11 m=4 s=24
